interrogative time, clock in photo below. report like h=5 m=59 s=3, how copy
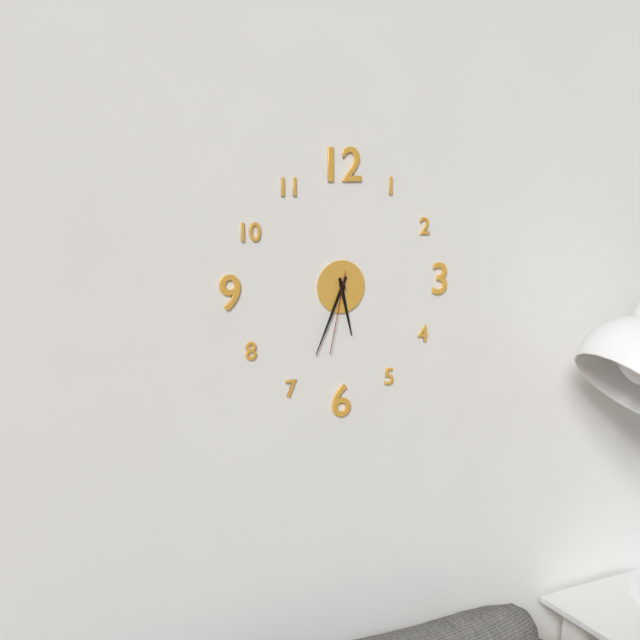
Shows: h=5 m=34 s=32
